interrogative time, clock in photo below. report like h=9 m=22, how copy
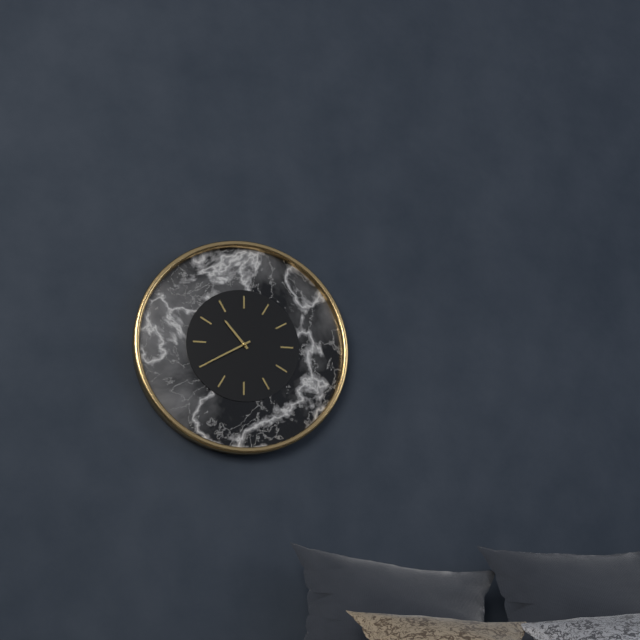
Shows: h=10 m=40
